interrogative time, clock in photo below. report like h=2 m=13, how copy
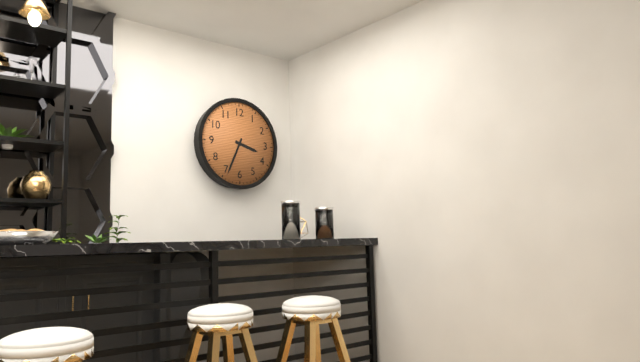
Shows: h=3 m=34
